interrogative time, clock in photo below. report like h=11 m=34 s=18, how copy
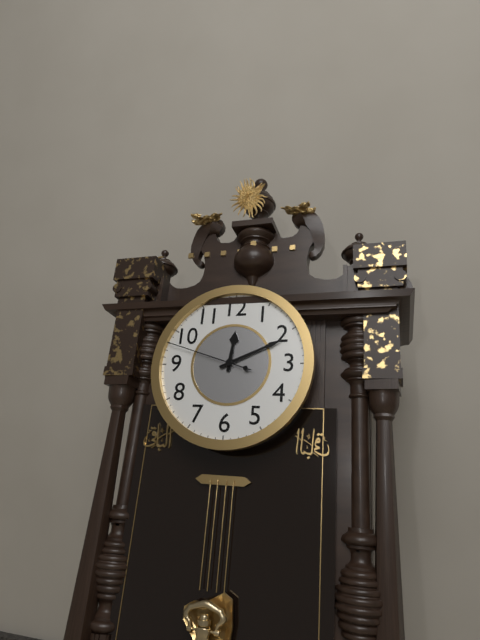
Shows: h=12 m=11 s=48
